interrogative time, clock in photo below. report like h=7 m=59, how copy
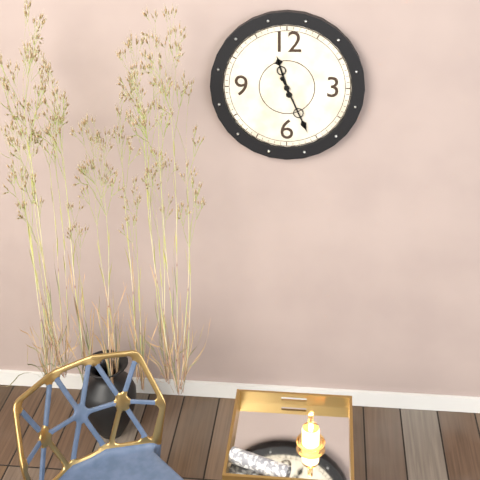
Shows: h=11 m=26
